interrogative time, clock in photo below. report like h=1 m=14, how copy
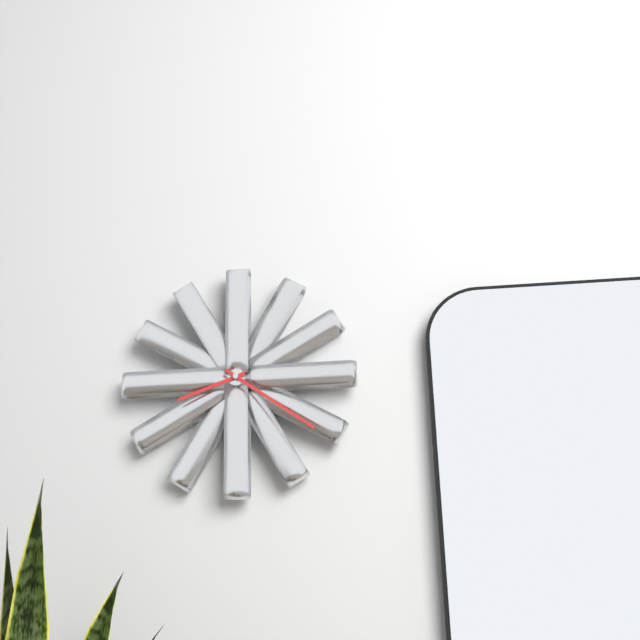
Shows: h=8 m=21
